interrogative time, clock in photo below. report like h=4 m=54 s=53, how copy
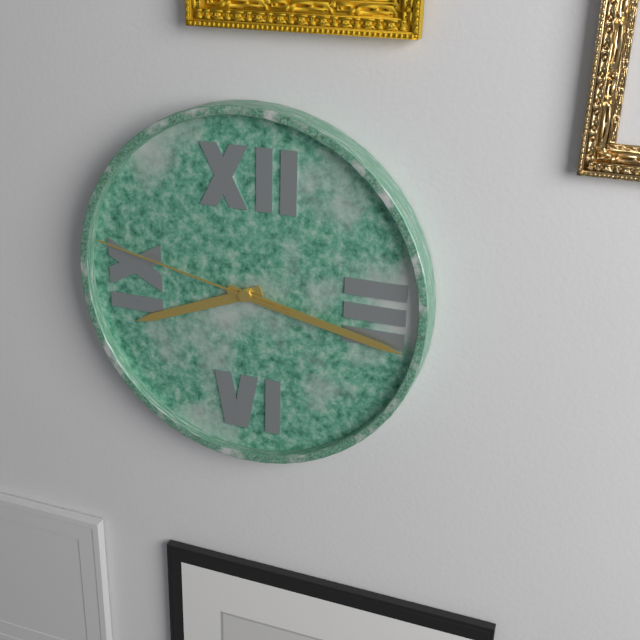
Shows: h=8 m=17 s=47
